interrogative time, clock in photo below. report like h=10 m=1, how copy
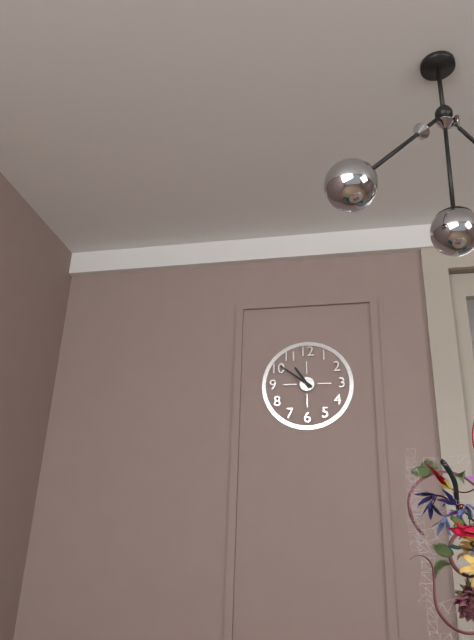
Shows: h=10 m=51
